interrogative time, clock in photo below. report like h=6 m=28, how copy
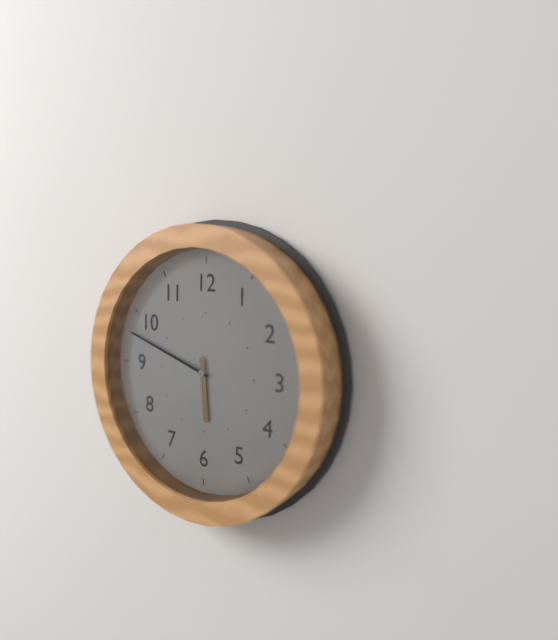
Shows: h=5 m=48
